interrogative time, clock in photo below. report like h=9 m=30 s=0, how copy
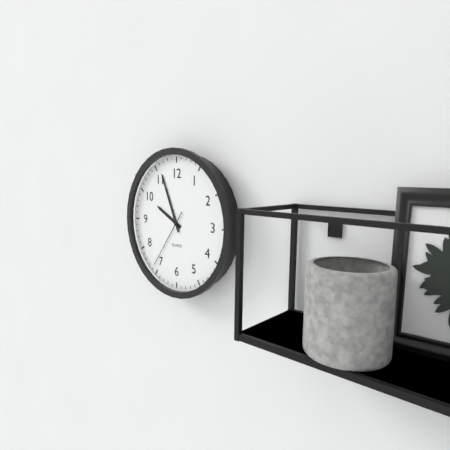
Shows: h=9 m=56 s=36
